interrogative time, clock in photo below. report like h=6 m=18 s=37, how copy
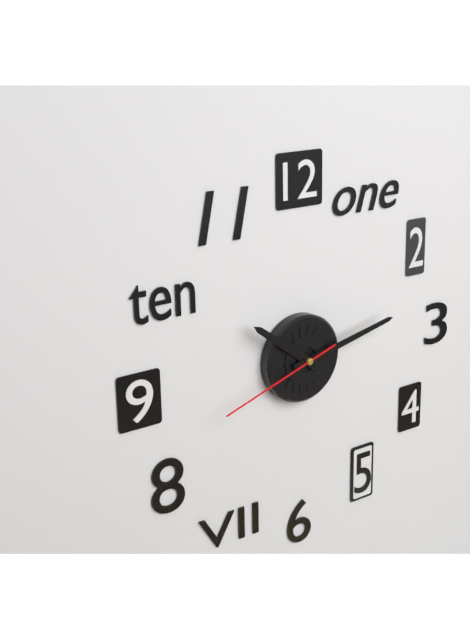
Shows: h=10 m=13 s=42
